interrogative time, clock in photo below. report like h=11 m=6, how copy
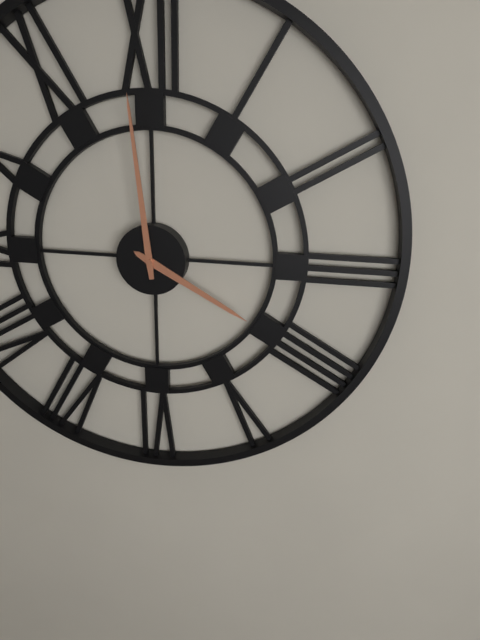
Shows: h=3 m=59
